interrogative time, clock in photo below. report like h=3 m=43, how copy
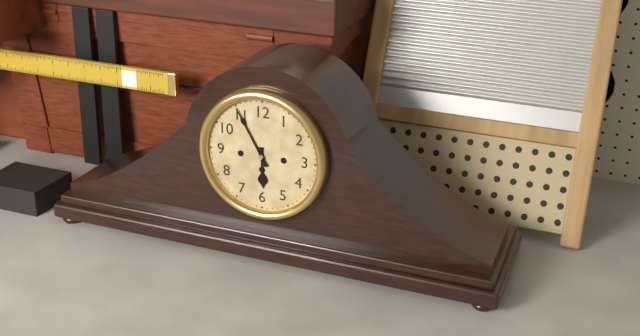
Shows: h=5 m=55
